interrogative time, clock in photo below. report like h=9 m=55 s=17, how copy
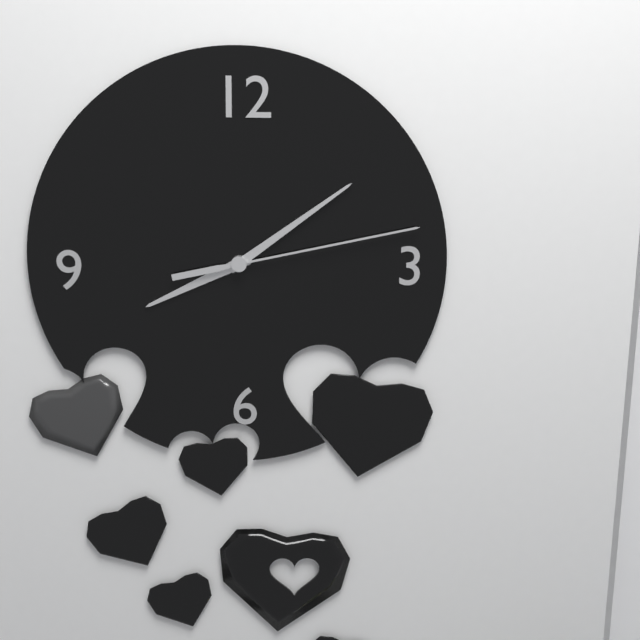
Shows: h=8 m=9 s=13
